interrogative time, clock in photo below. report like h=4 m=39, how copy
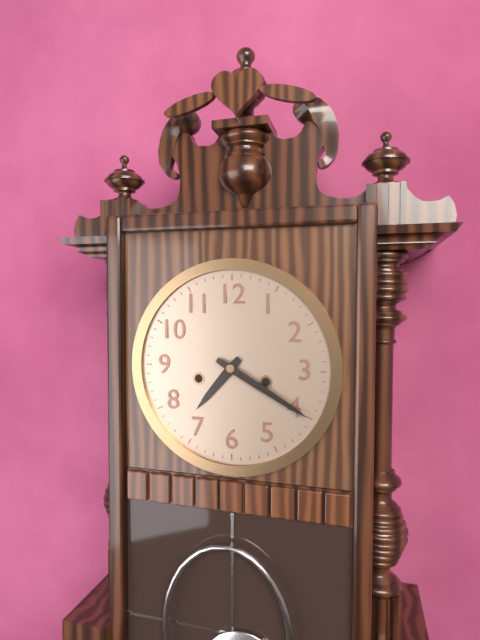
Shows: h=7 m=20
